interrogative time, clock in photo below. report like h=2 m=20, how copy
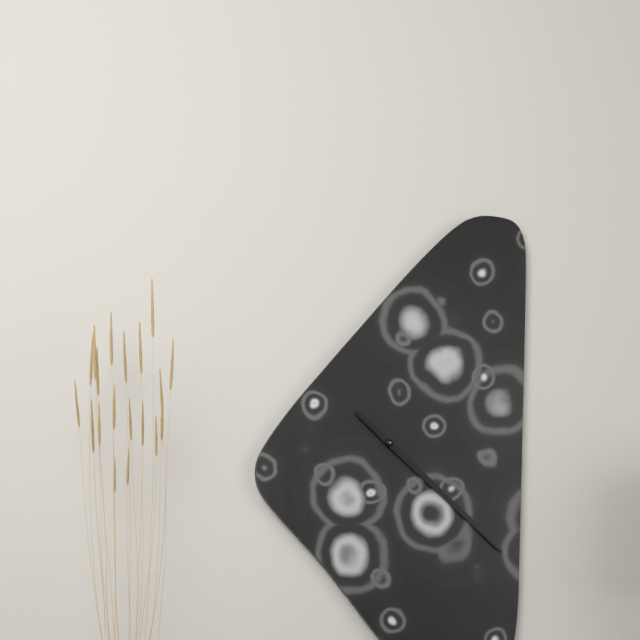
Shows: h=4 m=22
